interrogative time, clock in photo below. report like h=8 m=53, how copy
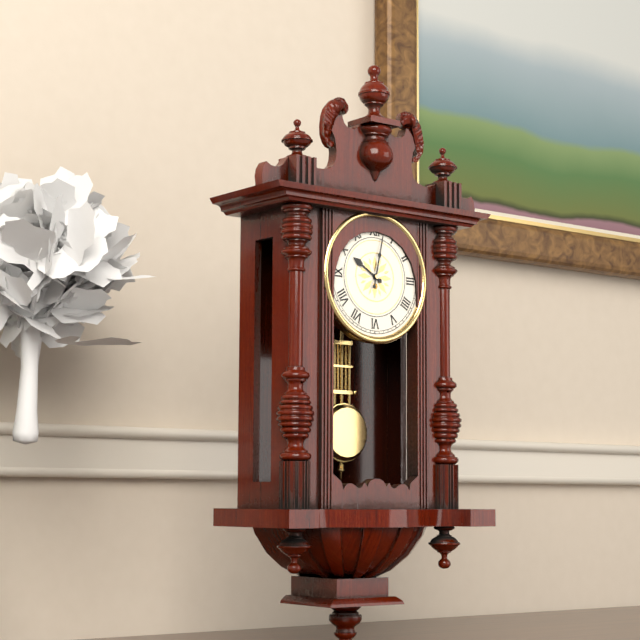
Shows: h=10 m=2
